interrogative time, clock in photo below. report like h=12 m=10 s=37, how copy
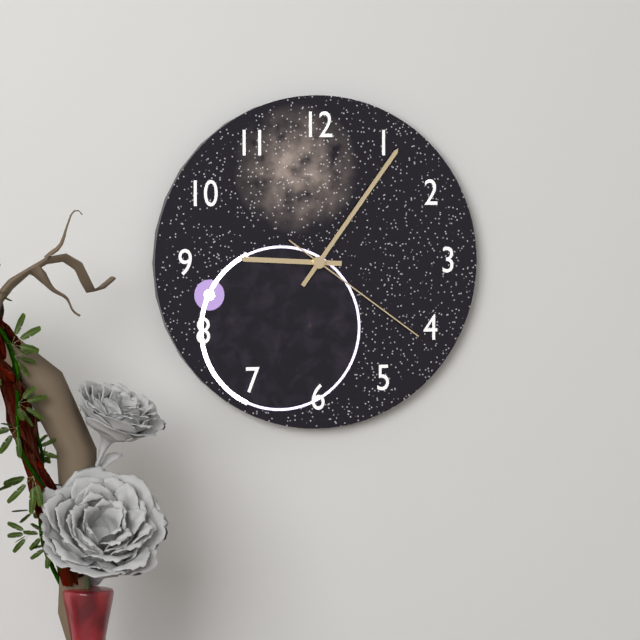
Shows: h=9 m=6 s=21
